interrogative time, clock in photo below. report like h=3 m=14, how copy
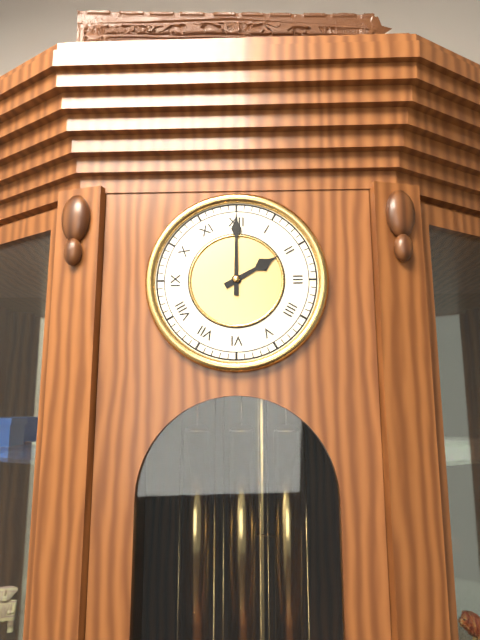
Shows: h=2 m=0
